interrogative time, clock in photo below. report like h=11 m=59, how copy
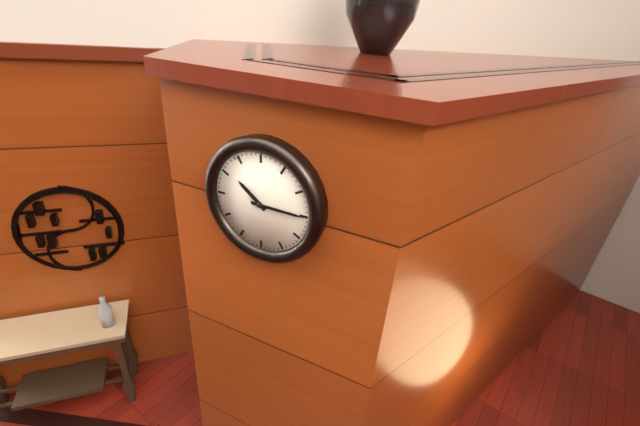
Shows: h=10 m=15
